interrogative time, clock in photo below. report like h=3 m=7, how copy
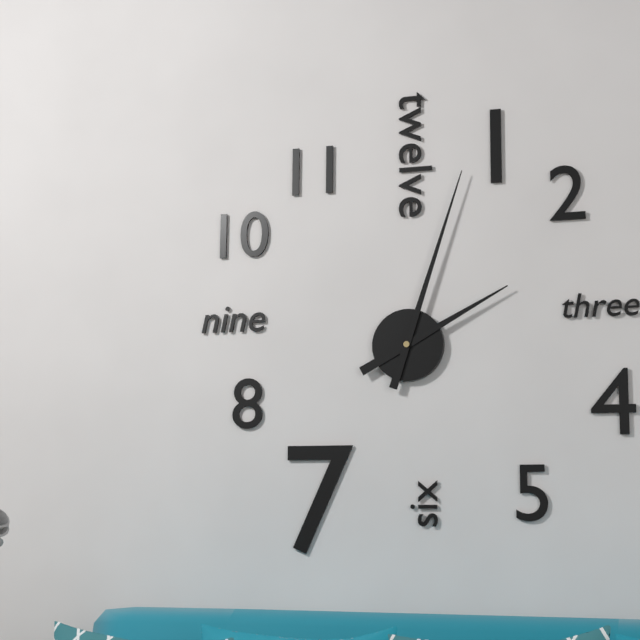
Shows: h=2 m=3
